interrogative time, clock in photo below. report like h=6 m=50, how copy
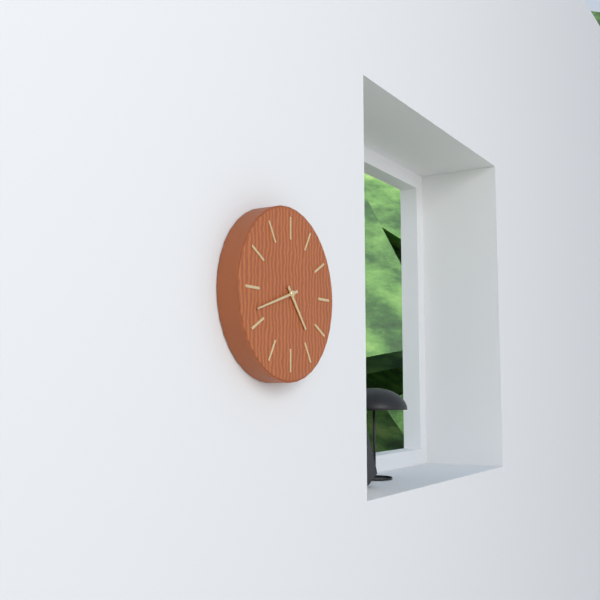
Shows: h=4 m=42
